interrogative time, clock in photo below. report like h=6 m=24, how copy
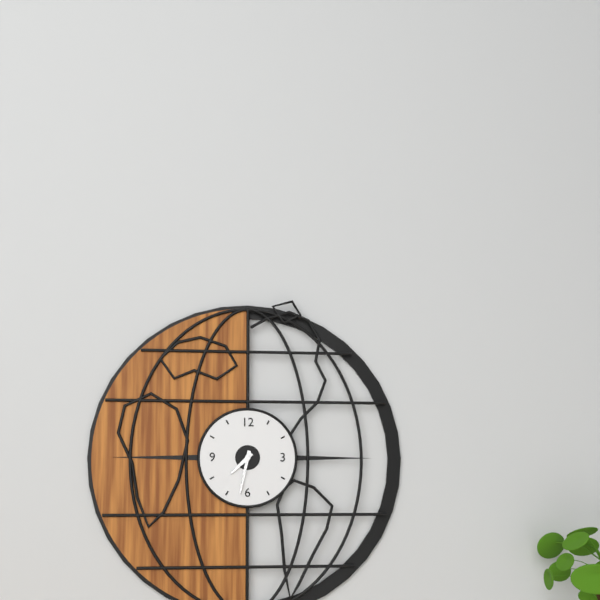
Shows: h=7 m=32
